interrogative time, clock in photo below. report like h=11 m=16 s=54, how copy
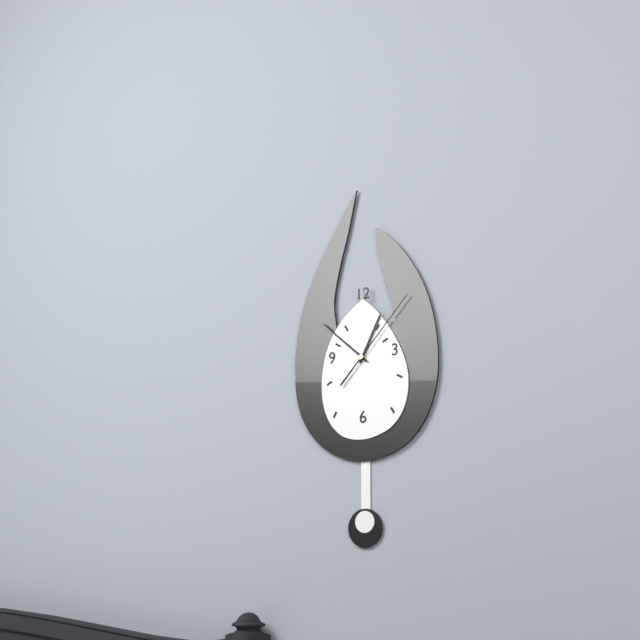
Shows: h=12 m=52 s=7
